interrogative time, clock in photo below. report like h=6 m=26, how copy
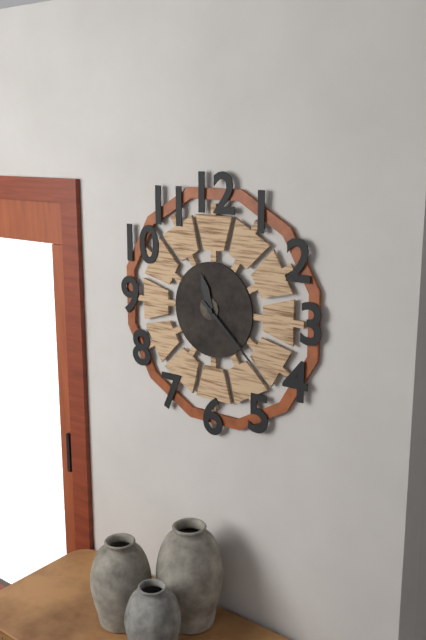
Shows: h=11 m=22
